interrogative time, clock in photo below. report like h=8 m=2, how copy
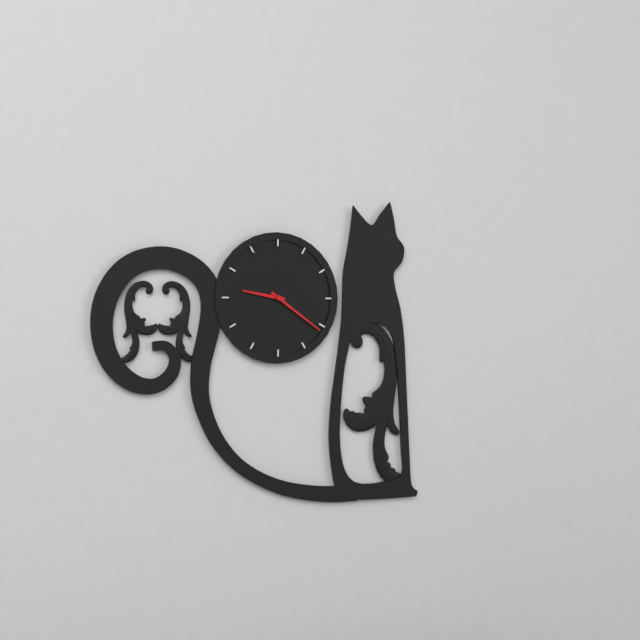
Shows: h=9 m=21
